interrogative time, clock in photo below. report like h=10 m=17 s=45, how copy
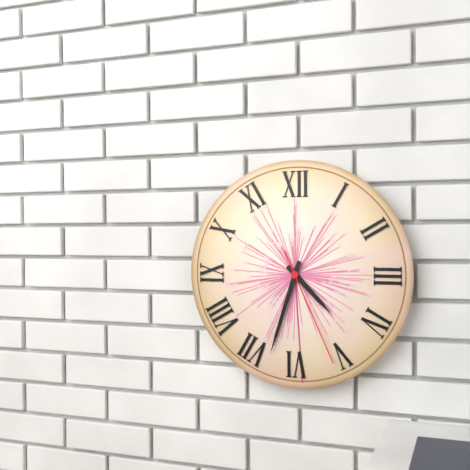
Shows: h=4 m=33 s=26
